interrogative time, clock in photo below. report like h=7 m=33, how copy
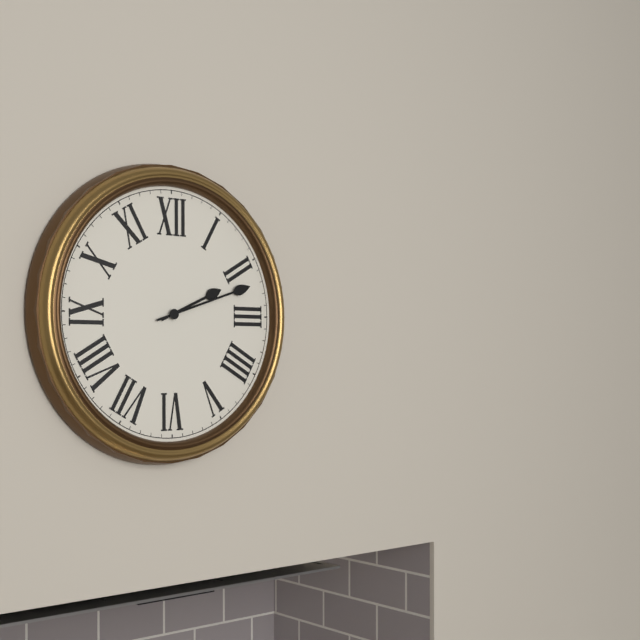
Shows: h=2 m=12
